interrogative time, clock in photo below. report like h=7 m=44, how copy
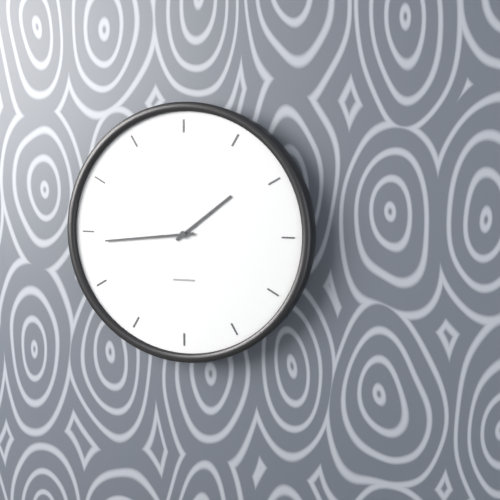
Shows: h=1 m=44
